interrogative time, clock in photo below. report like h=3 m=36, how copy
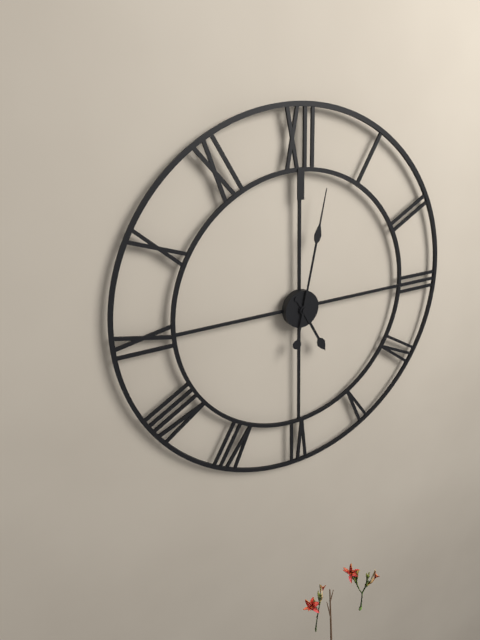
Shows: h=5 m=2
